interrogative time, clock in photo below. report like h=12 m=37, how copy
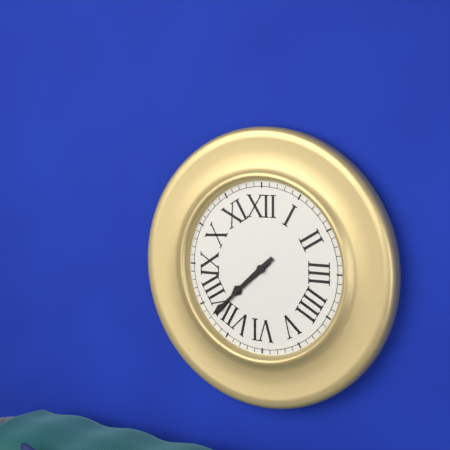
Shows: h=7 m=38
